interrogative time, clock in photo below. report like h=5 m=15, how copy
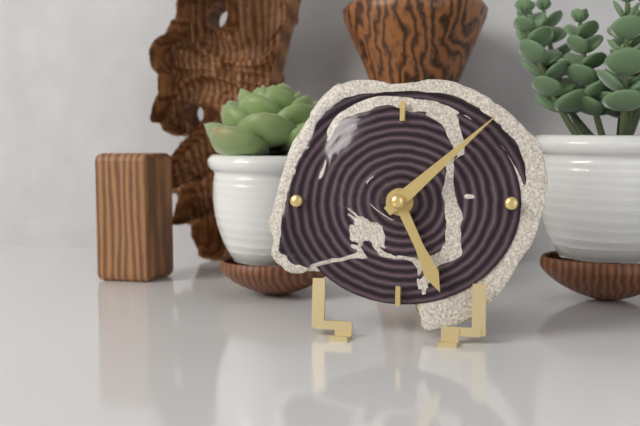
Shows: h=5 m=8
